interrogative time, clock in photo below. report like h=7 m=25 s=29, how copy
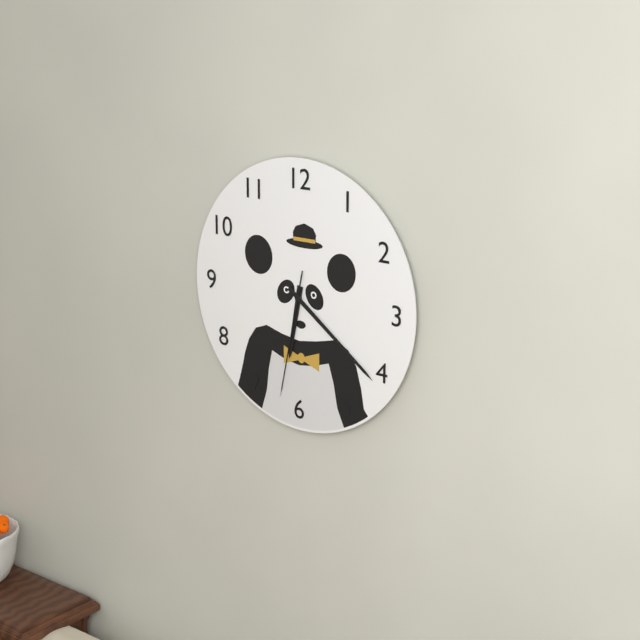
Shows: h=6 m=21 s=32
